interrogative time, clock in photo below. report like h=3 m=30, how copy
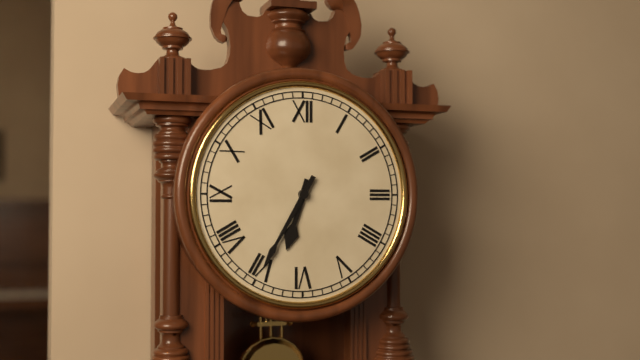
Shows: h=6 m=35
